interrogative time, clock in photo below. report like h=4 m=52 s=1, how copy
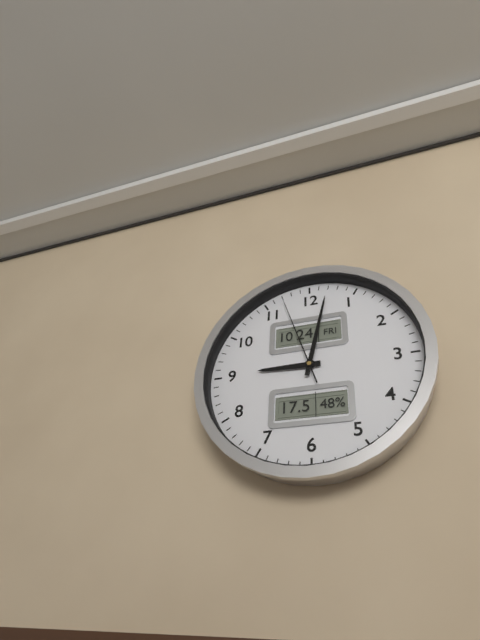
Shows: h=9 m=2 s=57
